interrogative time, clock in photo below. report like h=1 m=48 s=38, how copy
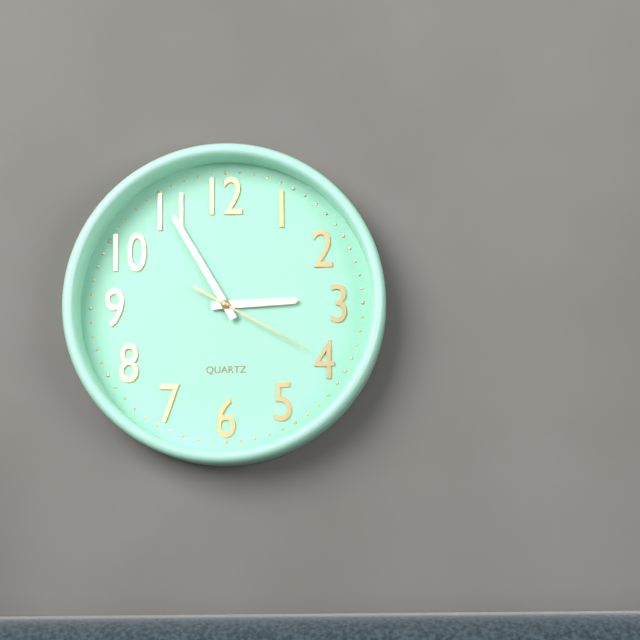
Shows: h=2 m=55 s=20
